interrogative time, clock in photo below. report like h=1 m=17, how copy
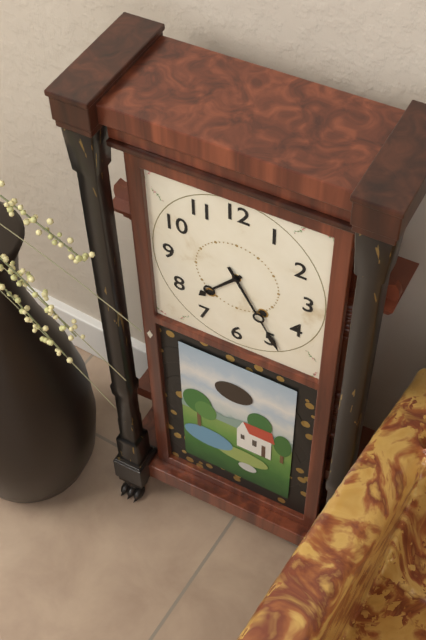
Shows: h=7 m=25
